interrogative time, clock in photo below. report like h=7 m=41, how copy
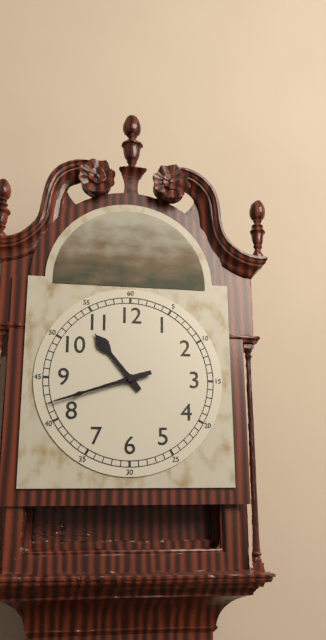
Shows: h=10 m=42
